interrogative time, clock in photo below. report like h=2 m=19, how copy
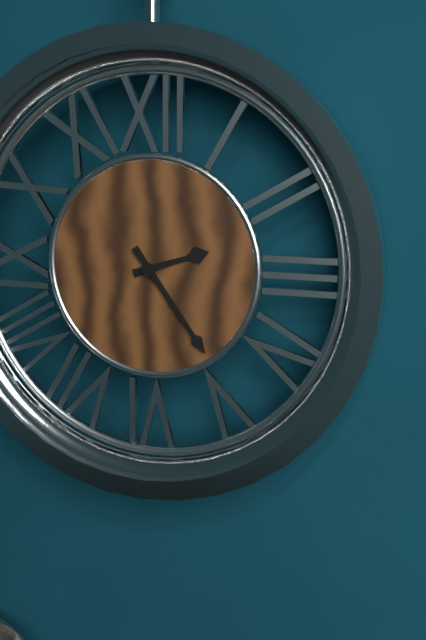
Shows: h=2 m=24
